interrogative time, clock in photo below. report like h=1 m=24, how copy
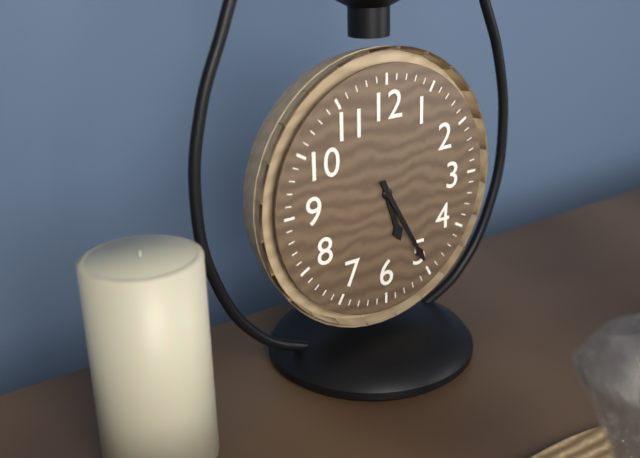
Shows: h=5 m=25
